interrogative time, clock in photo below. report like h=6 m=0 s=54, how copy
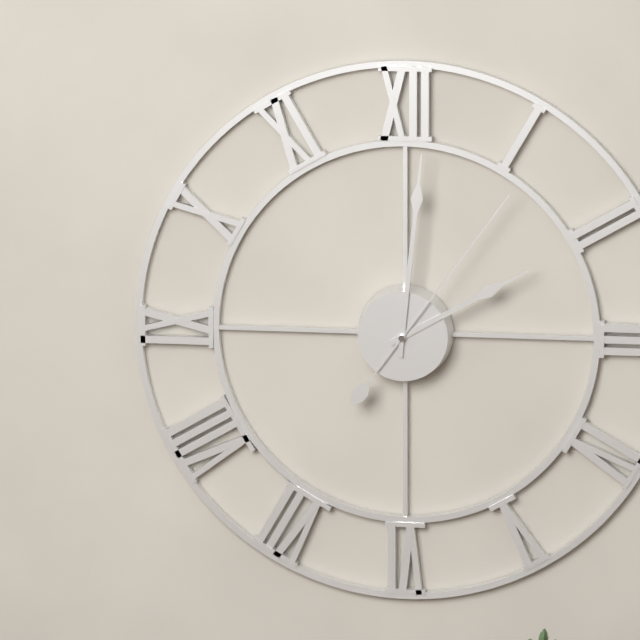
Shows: h=2 m=1 s=6
